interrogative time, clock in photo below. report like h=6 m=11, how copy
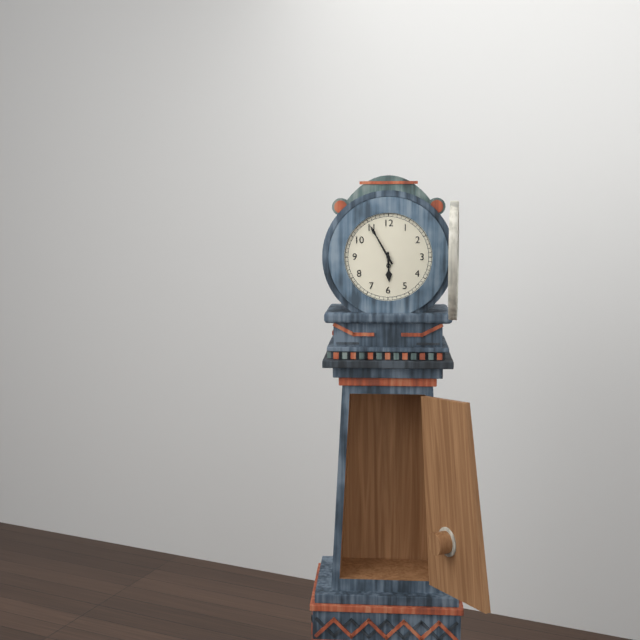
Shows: h=5 m=55
